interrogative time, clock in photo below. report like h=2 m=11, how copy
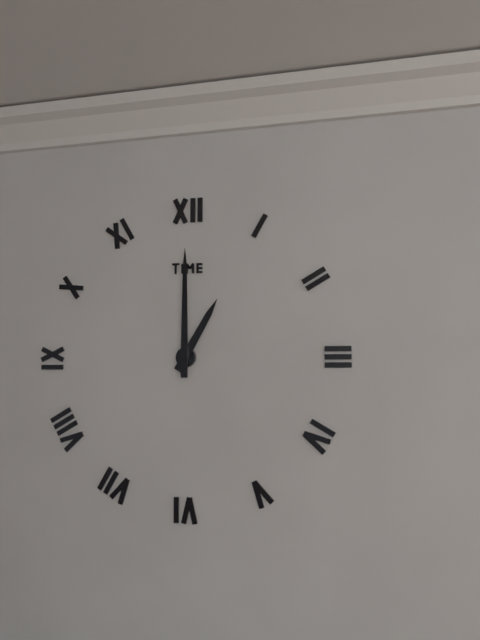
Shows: h=1 m=0
